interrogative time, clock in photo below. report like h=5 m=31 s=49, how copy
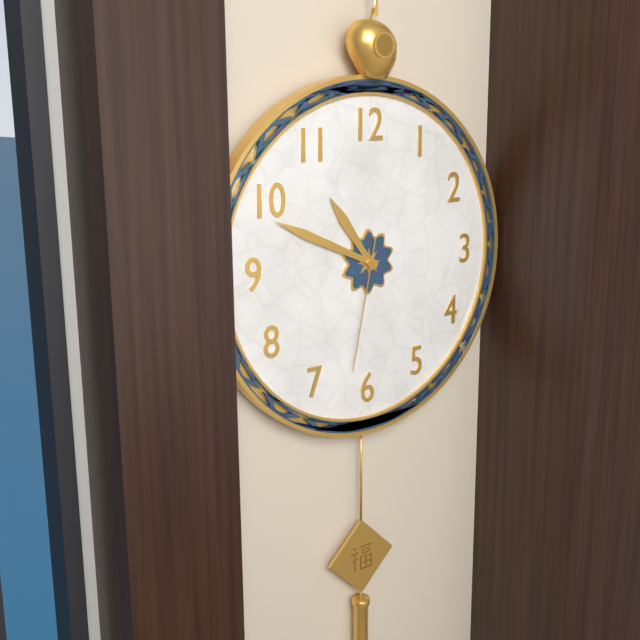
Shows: h=10 m=49 s=32
